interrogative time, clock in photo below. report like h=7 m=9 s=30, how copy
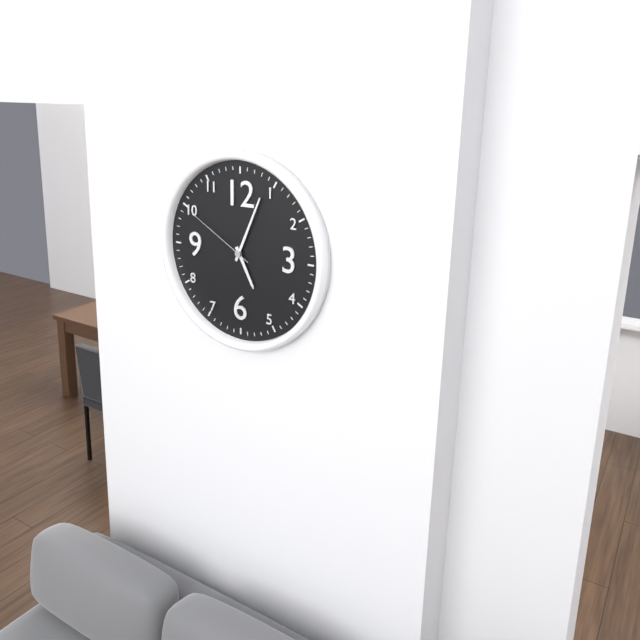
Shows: h=5 m=4 s=50
